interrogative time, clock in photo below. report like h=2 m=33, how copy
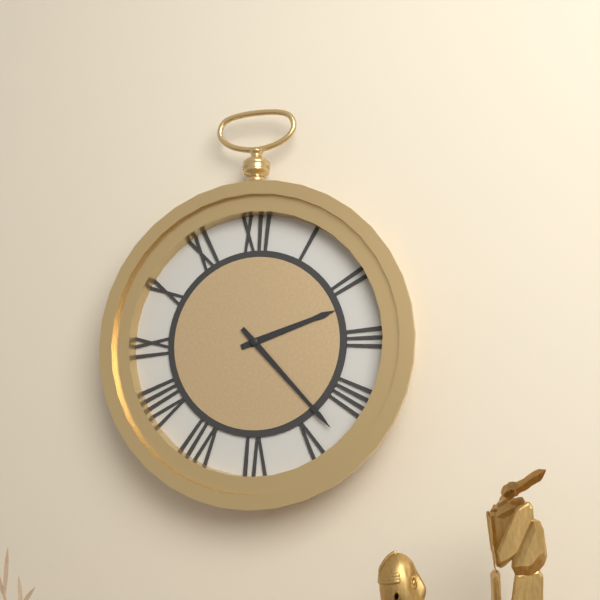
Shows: h=2 m=23
